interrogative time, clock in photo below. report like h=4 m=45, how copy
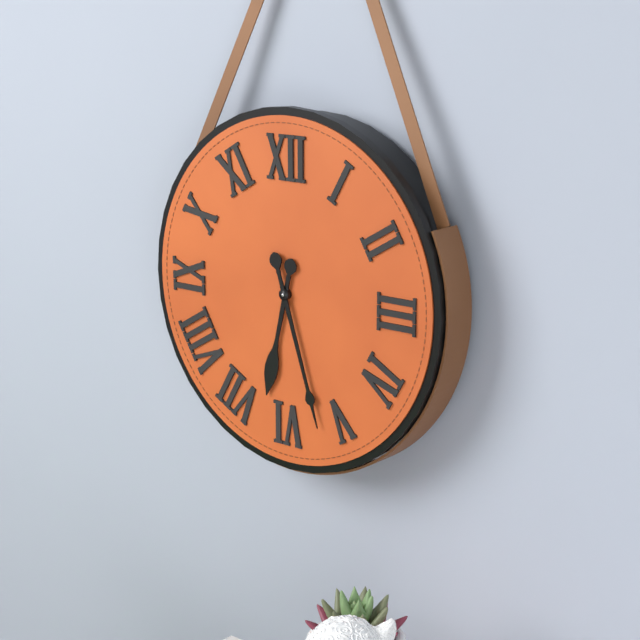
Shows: h=6 m=27
